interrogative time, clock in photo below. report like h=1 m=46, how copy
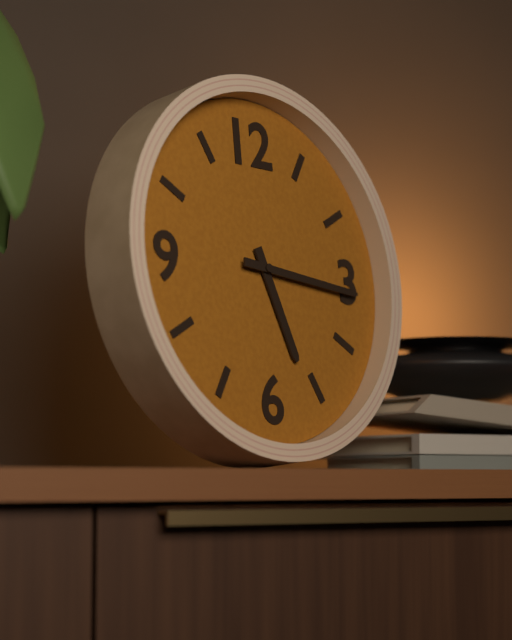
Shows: h=5 m=16
